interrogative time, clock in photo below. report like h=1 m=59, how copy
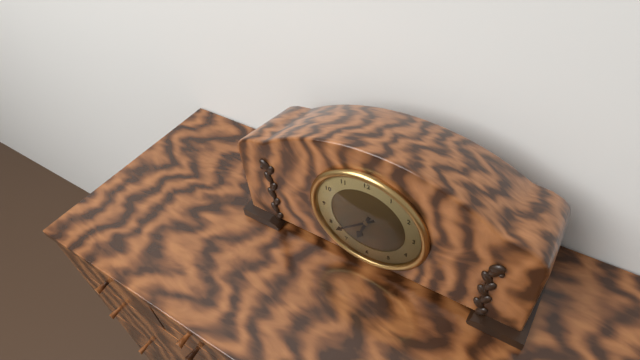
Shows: h=6 m=38
